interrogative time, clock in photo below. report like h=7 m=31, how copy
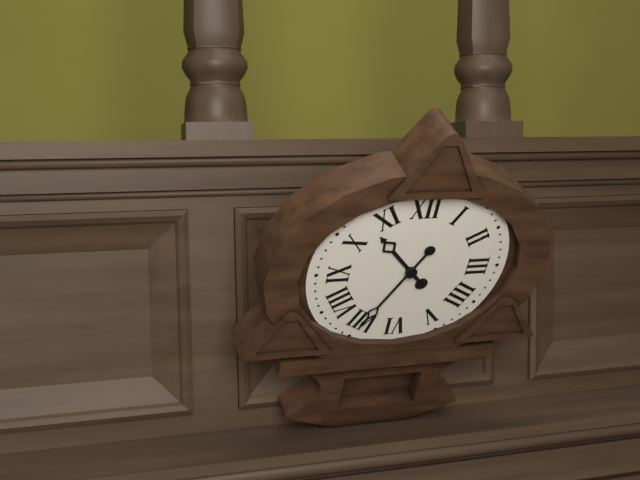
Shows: h=10 m=35
